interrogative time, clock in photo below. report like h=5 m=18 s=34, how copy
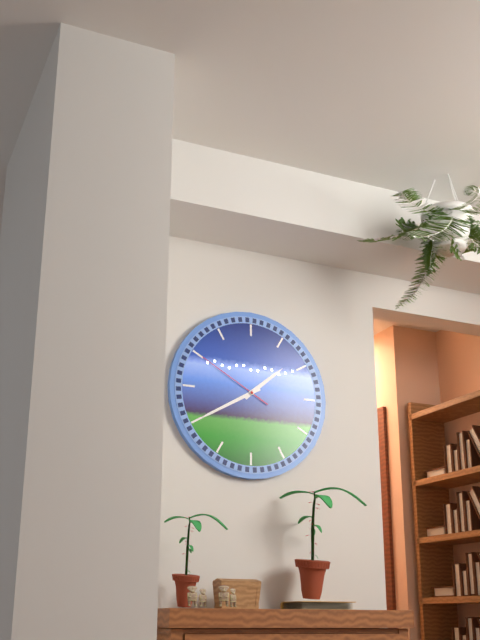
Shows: h=1 m=40 s=50
